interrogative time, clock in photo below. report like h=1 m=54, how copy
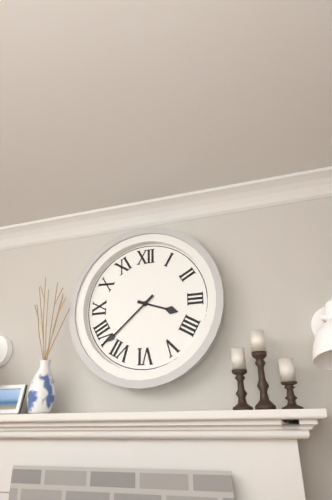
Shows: h=3 m=38
